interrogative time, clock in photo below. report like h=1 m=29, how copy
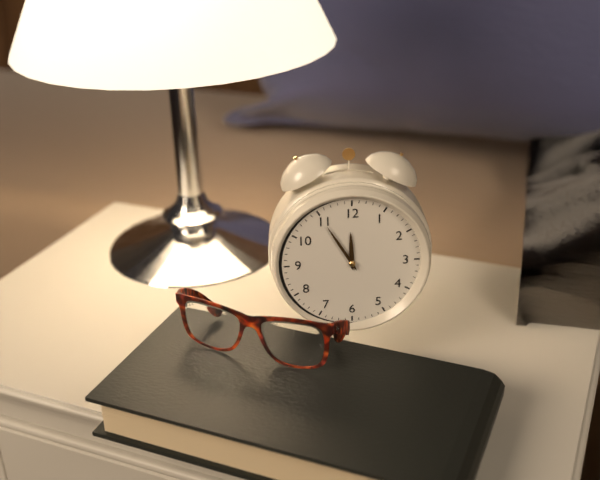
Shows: h=11 m=55
